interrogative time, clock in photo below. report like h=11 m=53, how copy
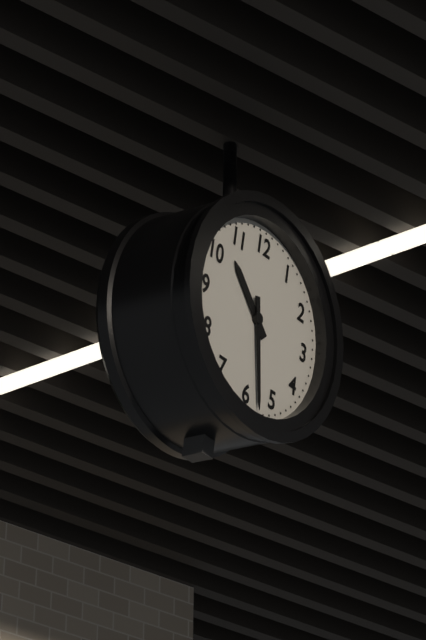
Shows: h=10 m=28
